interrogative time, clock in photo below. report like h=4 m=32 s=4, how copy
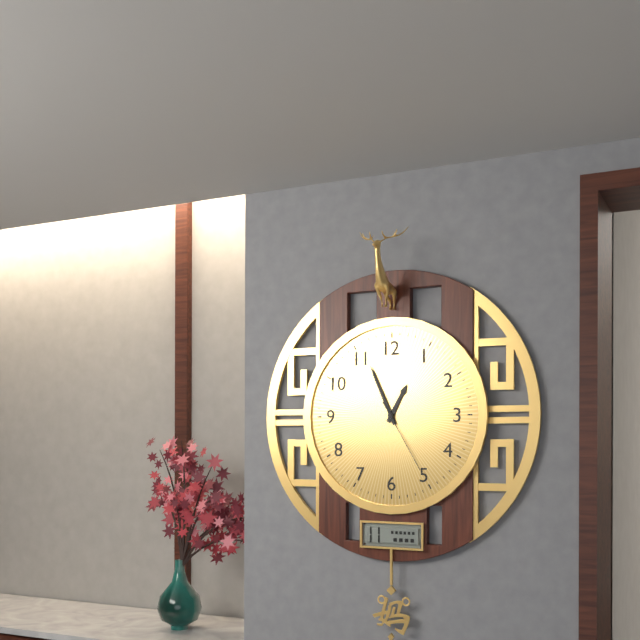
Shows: h=12 m=56 s=25
